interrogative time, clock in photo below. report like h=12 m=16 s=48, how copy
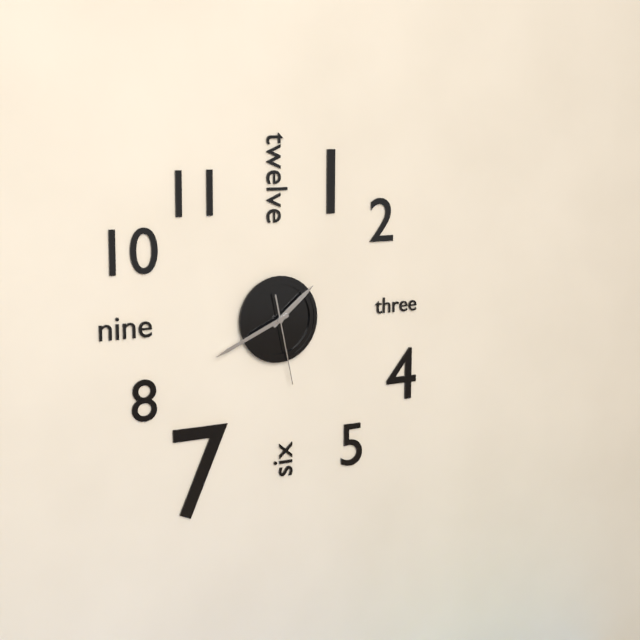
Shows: h=1 m=41 s=28
